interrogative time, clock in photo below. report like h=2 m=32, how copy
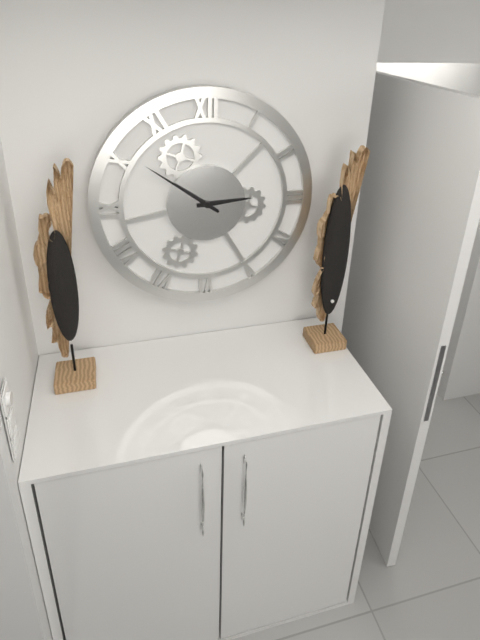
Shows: h=2 m=51
